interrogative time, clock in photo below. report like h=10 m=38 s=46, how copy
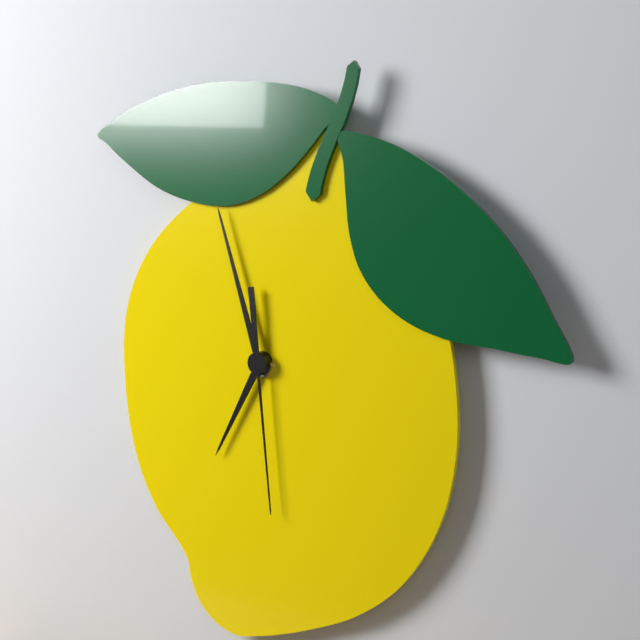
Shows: h=6 m=57 s=29
